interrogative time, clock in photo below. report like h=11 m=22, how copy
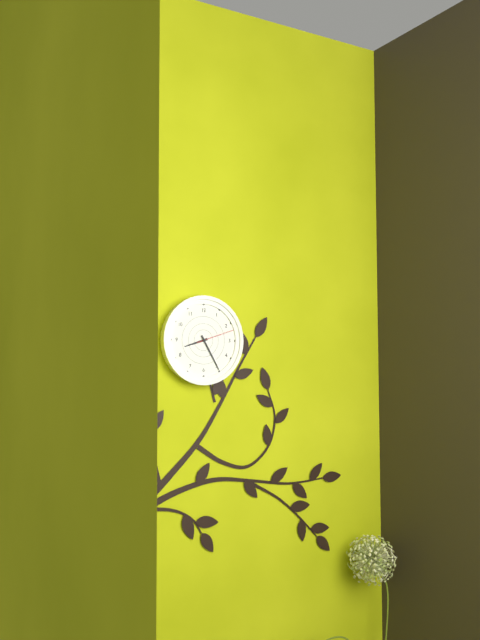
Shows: h=8 m=25
